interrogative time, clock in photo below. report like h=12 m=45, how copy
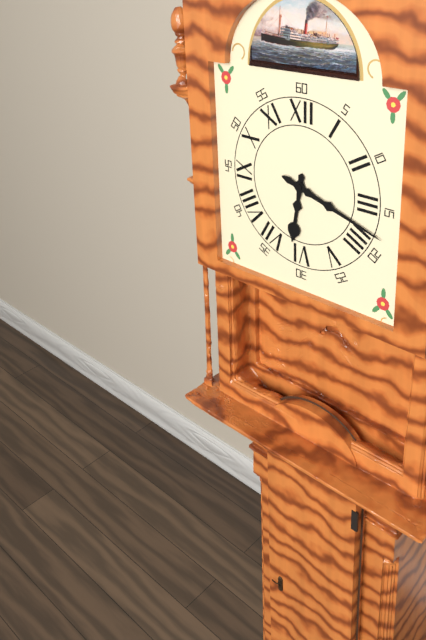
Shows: h=6 m=18
